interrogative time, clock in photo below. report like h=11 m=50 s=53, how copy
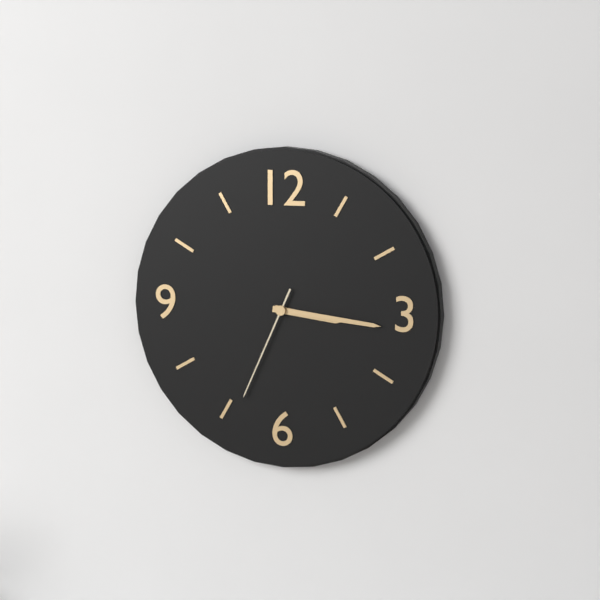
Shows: h=3 m=16 s=34
